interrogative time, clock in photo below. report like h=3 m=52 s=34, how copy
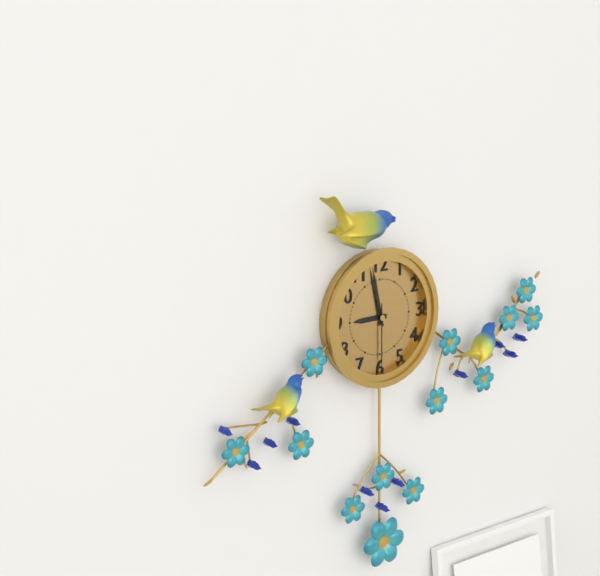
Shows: h=8 m=58 s=30
